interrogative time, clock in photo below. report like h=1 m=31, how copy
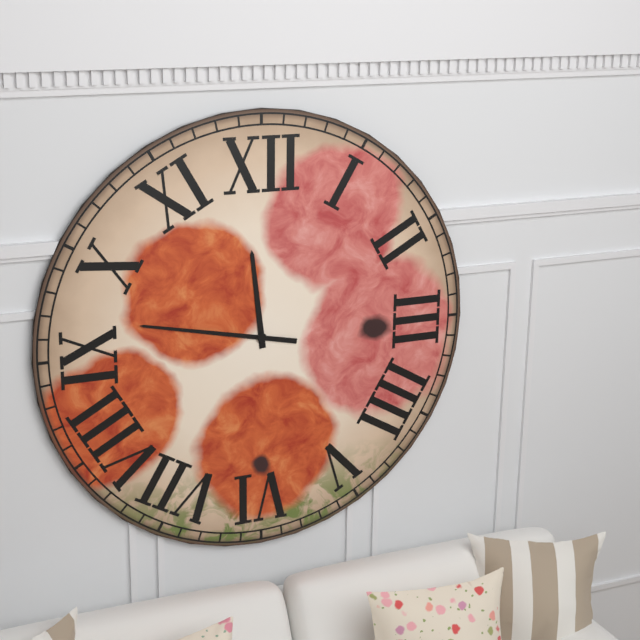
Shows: h=11 m=47
